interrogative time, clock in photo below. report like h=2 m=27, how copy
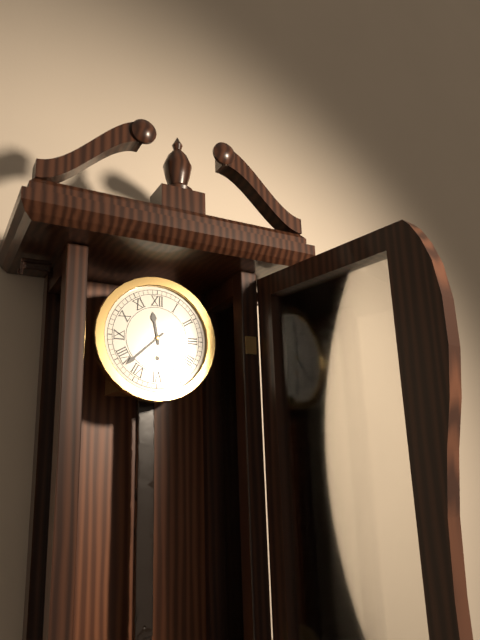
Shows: h=11 m=38
